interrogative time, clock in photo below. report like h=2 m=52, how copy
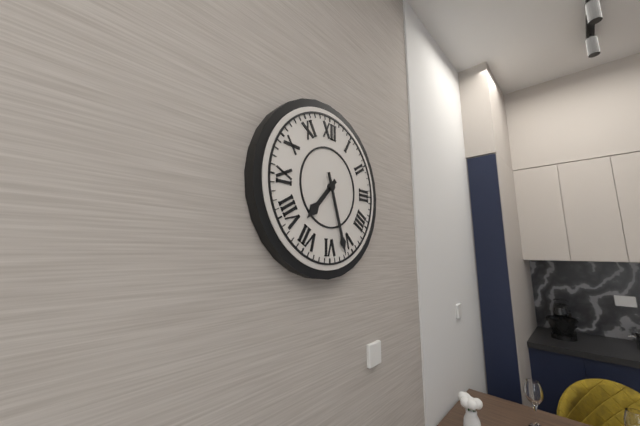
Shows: h=7 m=27
